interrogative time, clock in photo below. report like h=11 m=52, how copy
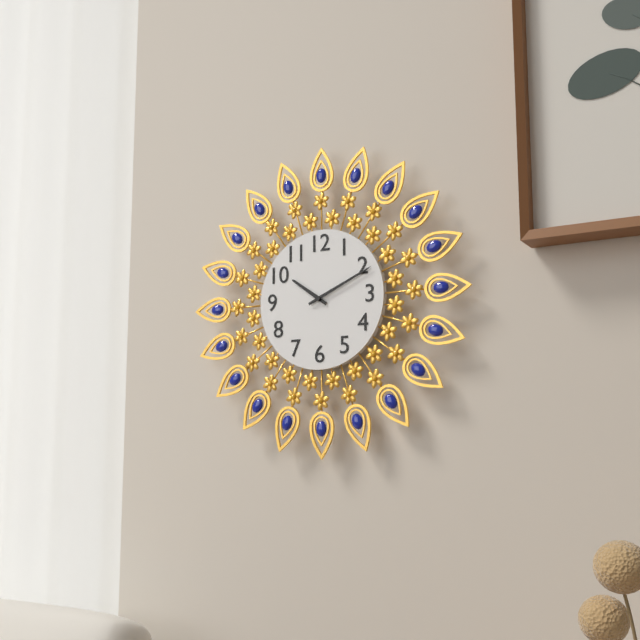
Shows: h=10 m=11
